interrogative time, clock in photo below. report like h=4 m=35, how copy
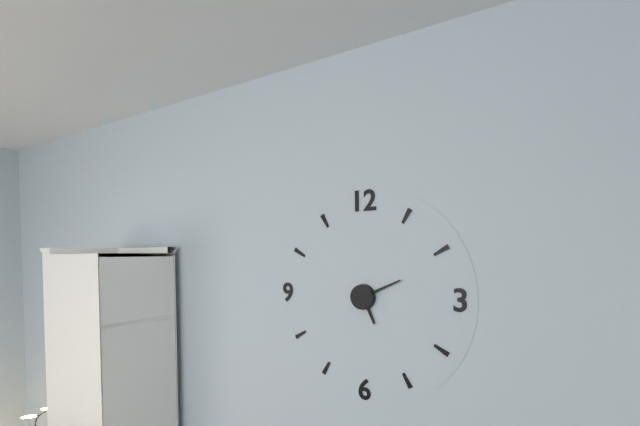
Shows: h=5 m=11
